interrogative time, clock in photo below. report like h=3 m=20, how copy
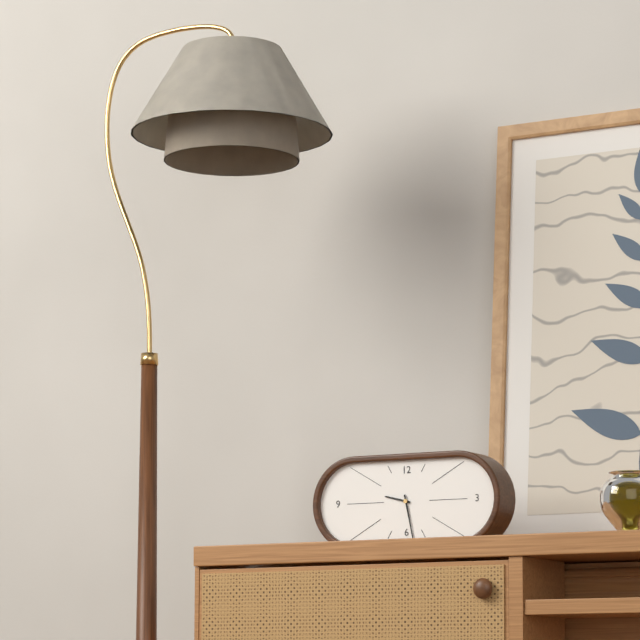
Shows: h=9 m=28
